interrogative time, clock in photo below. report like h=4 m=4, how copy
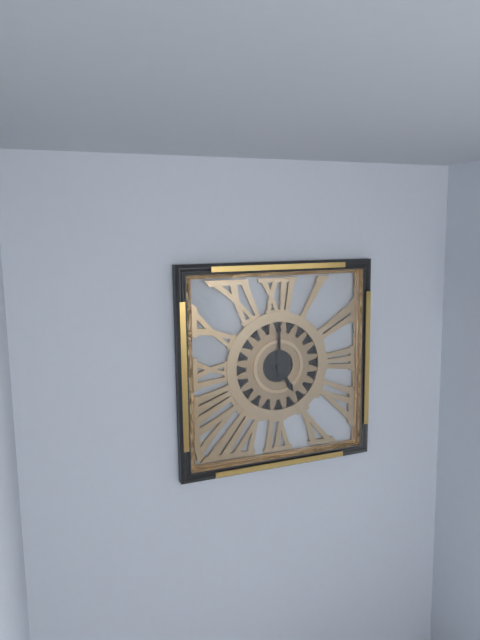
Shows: h=5 m=0
